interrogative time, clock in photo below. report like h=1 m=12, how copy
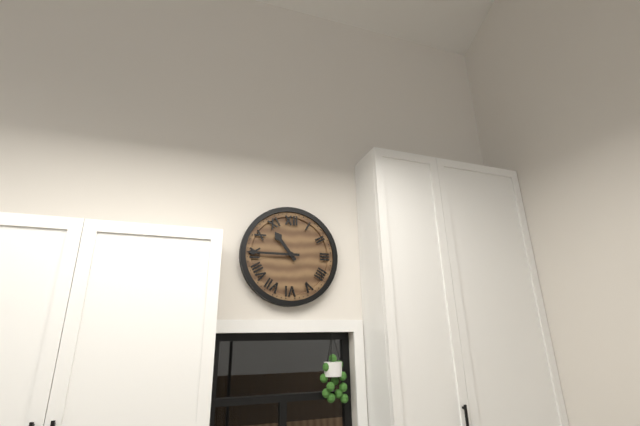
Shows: h=10 m=45
